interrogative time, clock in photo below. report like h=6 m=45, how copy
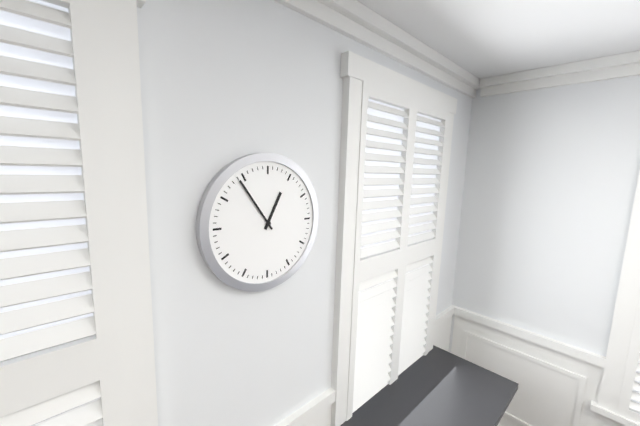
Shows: h=12 m=54
